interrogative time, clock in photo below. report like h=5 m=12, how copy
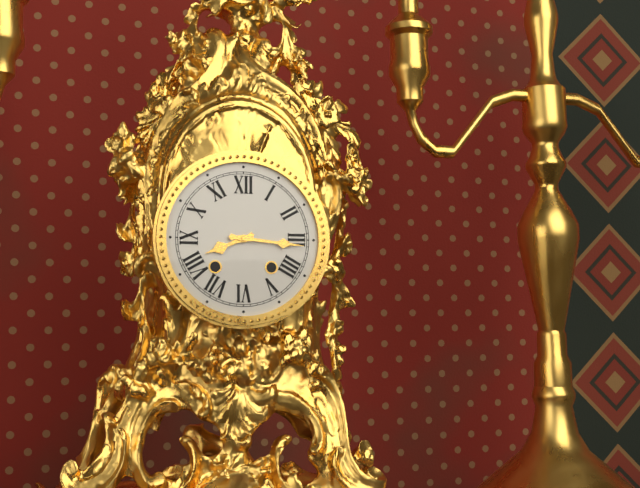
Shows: h=8 m=16
